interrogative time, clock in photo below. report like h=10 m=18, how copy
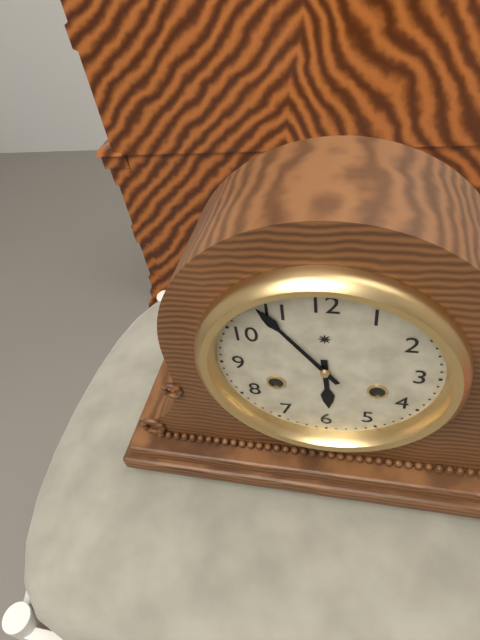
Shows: h=5 m=54
